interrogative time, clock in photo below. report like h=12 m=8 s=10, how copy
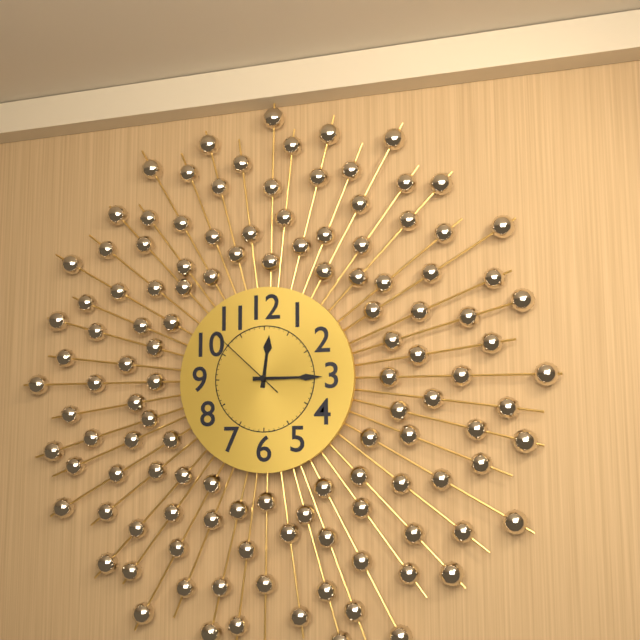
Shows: h=12 m=15 s=52
